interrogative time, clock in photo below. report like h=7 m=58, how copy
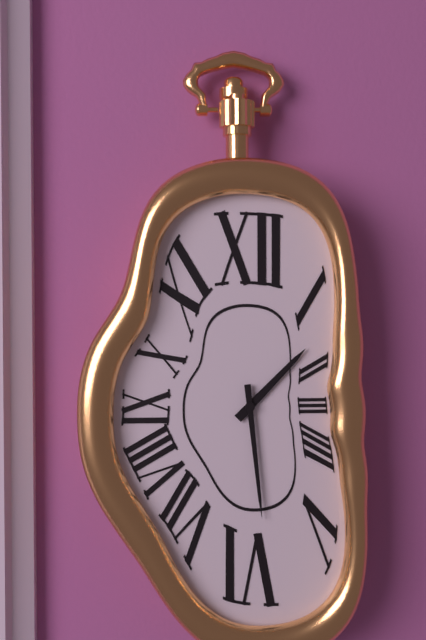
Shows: h=1 m=29
